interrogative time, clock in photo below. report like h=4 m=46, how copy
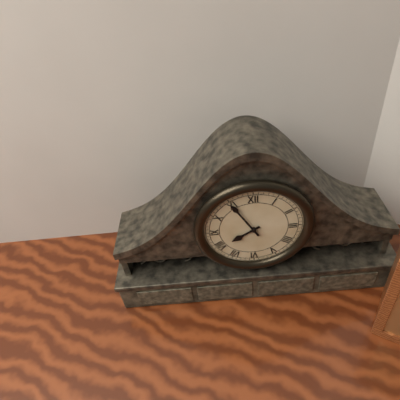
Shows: h=7 m=55
